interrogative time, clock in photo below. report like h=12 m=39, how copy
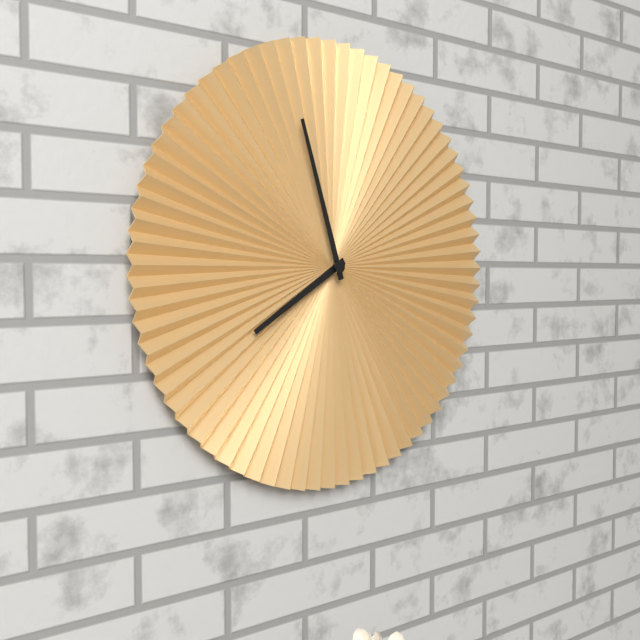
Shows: h=7 m=57
